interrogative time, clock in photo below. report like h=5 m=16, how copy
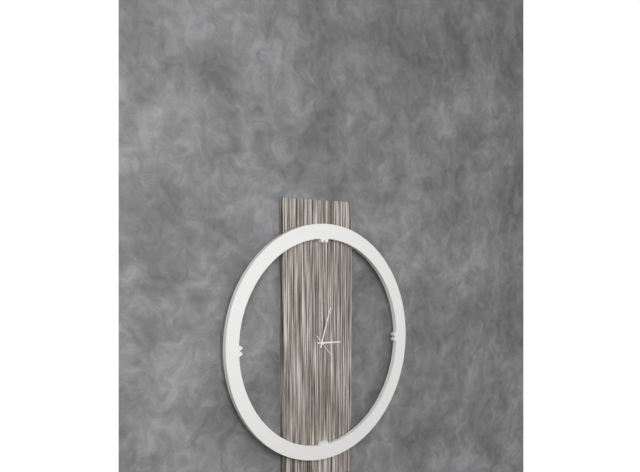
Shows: h=3 m=3
